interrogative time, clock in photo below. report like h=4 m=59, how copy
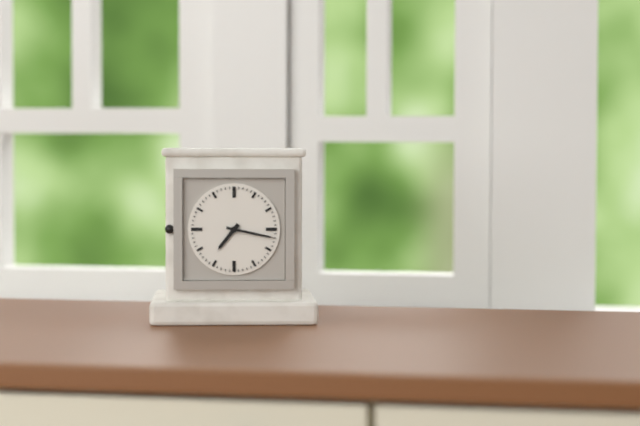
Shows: h=7 m=17
